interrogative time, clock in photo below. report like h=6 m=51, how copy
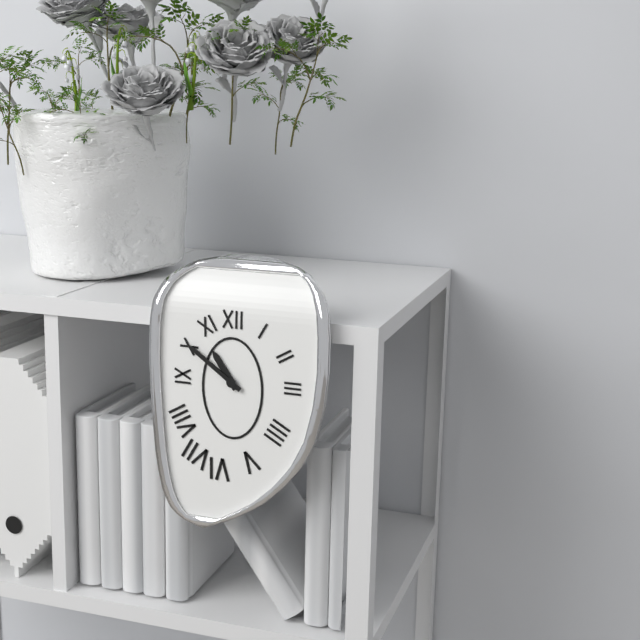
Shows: h=10 m=51
